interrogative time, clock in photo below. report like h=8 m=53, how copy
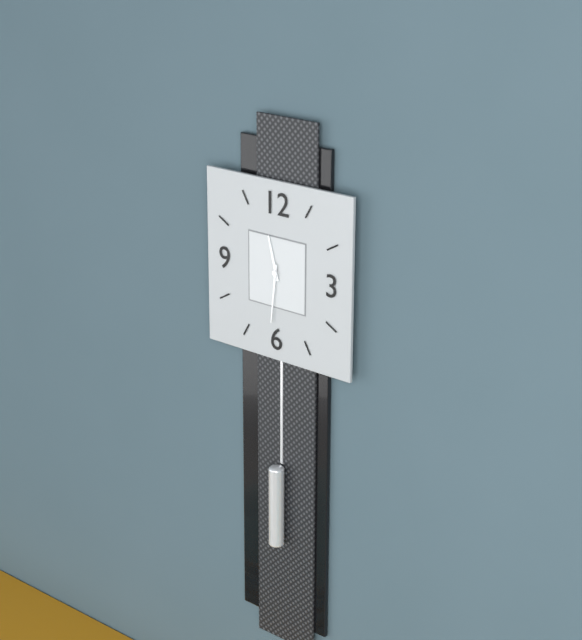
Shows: h=11 m=31
